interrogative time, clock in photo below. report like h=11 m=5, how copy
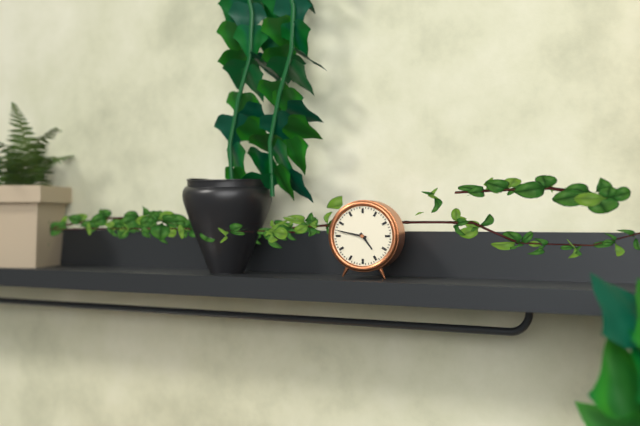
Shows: h=4 m=47
